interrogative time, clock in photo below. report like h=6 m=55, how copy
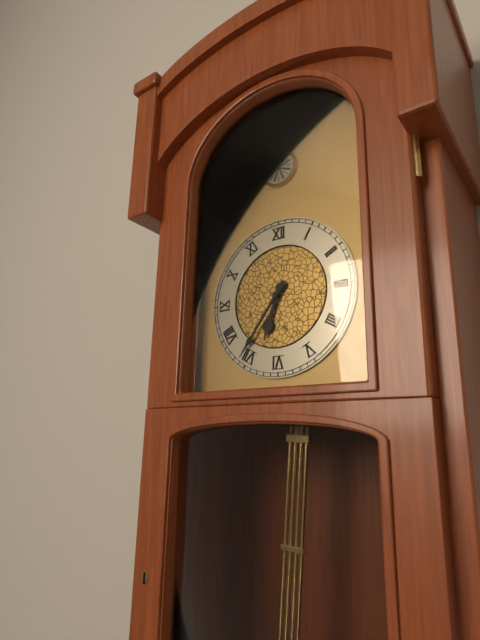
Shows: h=6 m=36
